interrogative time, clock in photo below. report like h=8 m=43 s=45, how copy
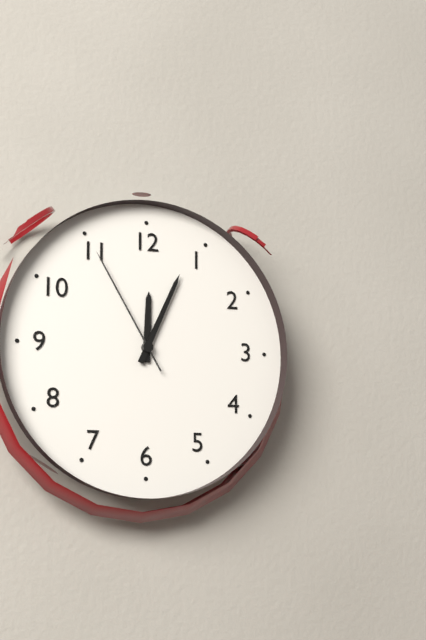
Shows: h=12 m=4 s=55
